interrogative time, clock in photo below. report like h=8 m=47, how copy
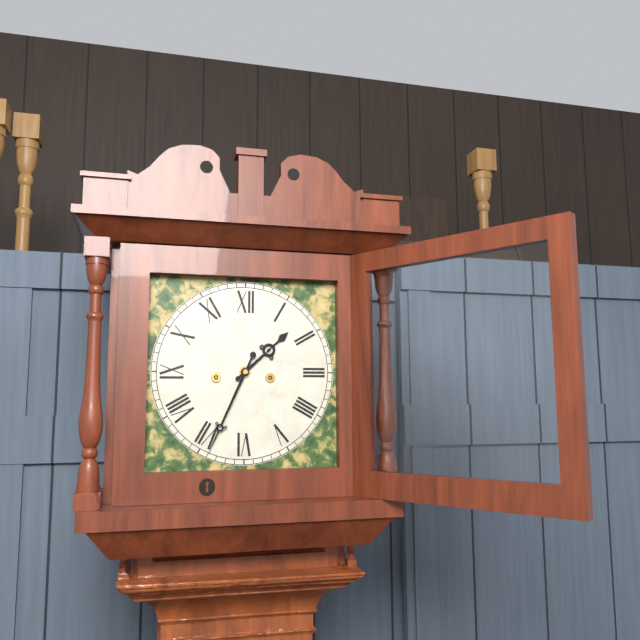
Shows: h=1 m=34
